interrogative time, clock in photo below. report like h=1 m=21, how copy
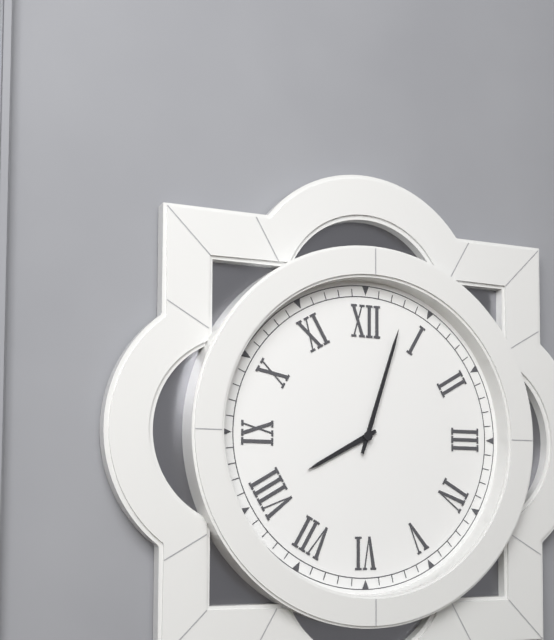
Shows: h=8 m=3
